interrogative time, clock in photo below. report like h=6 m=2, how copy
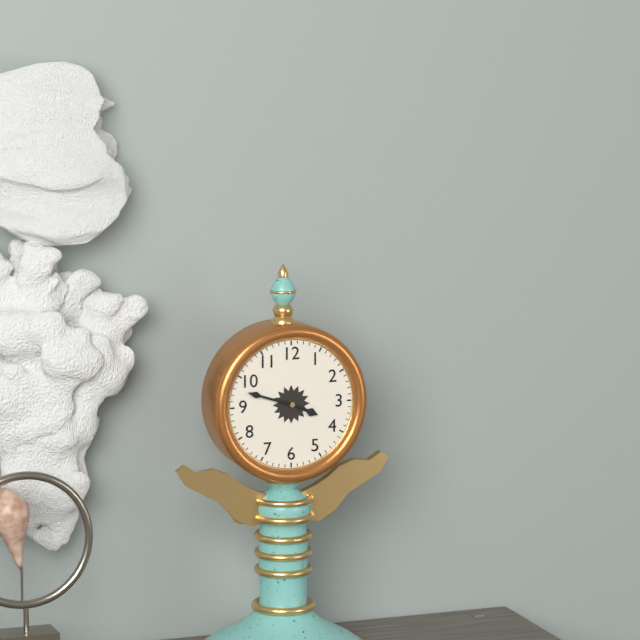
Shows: h=3 m=48
